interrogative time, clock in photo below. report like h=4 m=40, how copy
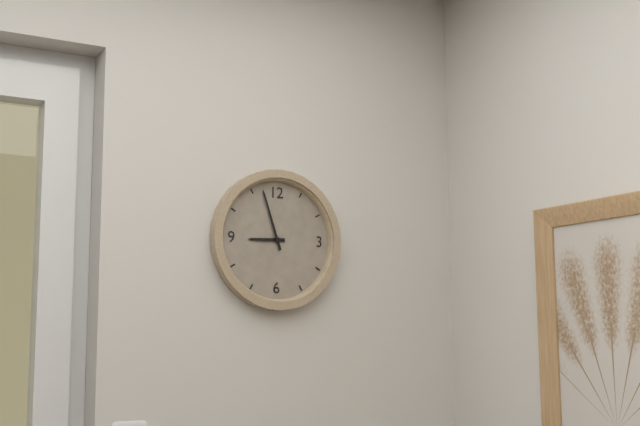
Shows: h=8 m=57
